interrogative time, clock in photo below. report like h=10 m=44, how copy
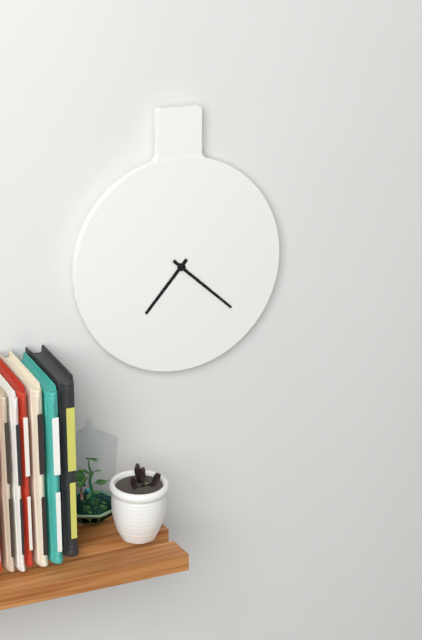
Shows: h=7 m=22
